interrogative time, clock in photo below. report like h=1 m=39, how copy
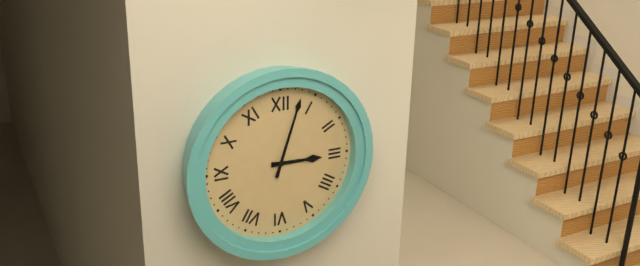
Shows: h=3 m=3
